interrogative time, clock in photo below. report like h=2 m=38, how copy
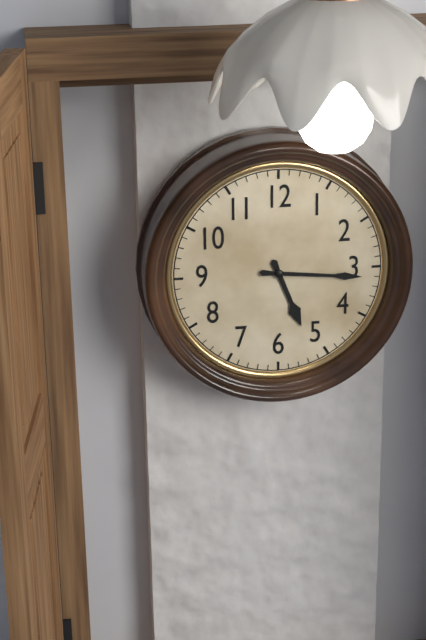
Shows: h=5 m=16
